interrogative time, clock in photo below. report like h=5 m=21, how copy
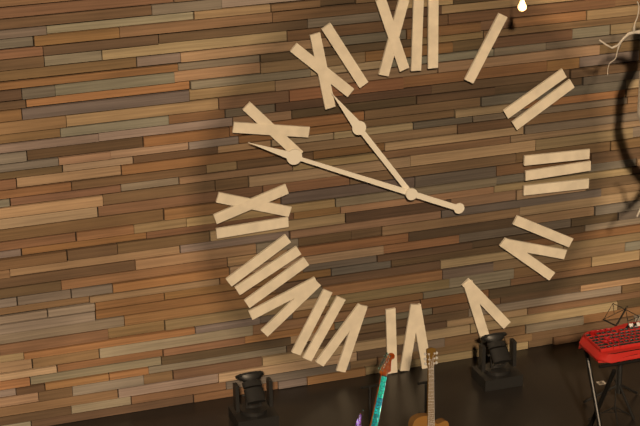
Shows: h=10 m=49
